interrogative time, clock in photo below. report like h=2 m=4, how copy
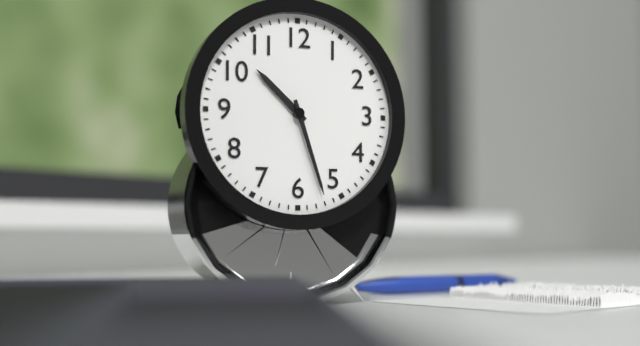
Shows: h=10 m=27
